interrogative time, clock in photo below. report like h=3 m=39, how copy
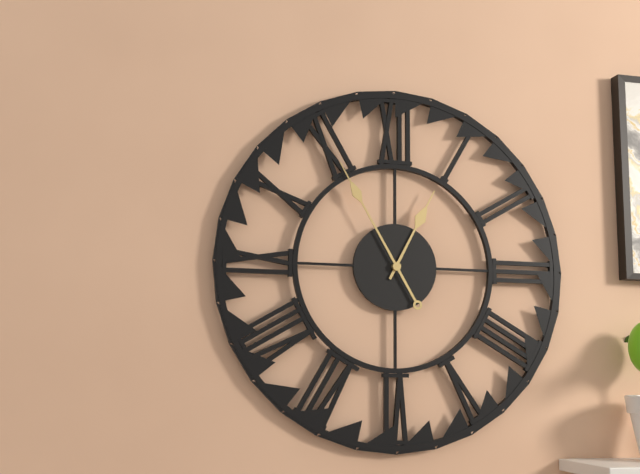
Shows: h=12 m=55
